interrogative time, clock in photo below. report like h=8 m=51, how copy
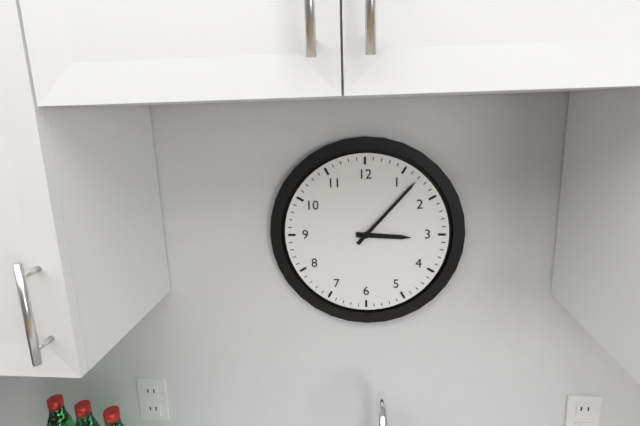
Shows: h=3 m=7
